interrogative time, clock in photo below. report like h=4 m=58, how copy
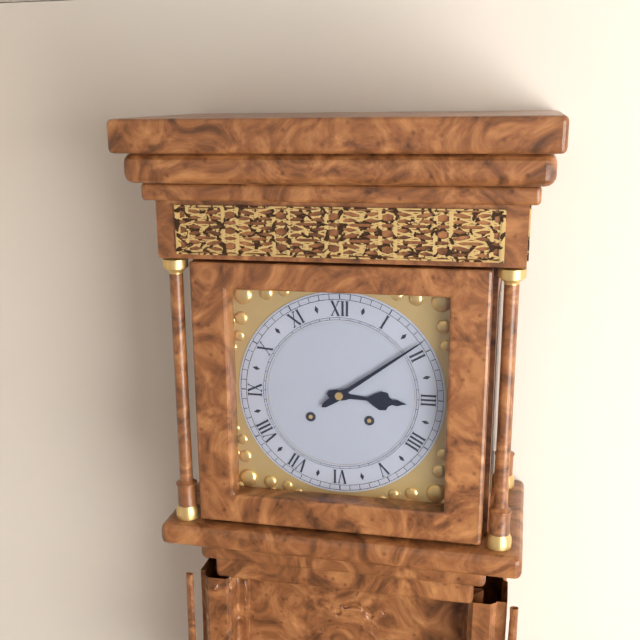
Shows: h=3 m=9
